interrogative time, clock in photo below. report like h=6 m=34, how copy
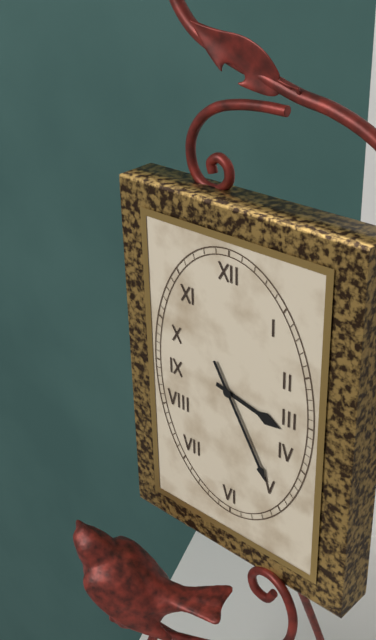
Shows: h=3 m=25
